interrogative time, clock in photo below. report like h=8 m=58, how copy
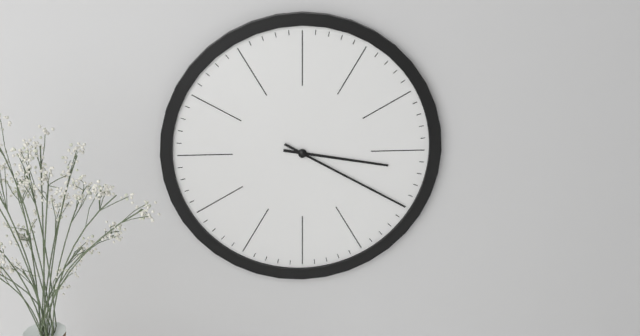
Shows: h=3 m=20
